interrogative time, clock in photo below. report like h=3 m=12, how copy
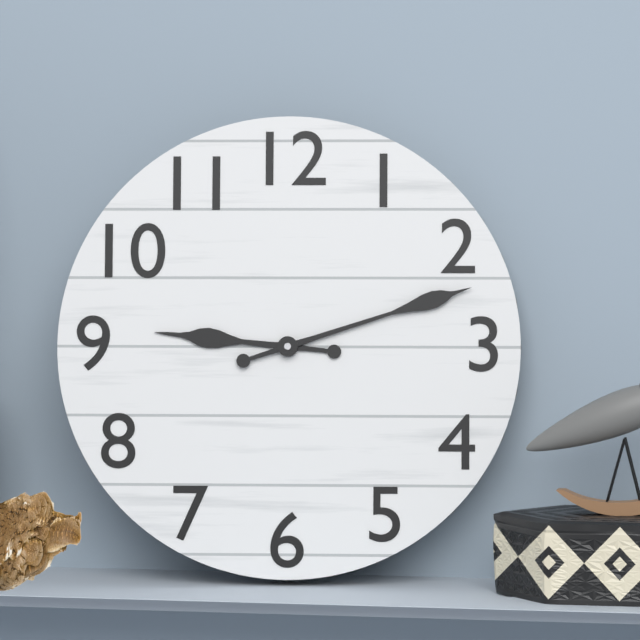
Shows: h=9 m=12
